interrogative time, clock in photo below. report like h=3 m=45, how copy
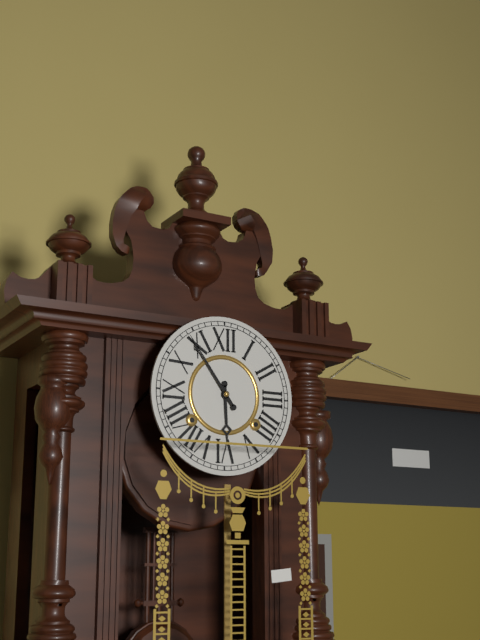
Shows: h=5 m=54
